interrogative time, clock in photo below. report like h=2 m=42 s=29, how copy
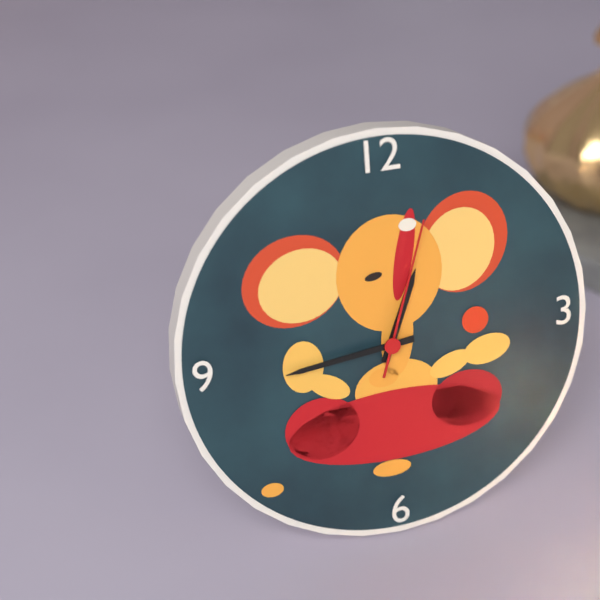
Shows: h=12 m=44 s=3
